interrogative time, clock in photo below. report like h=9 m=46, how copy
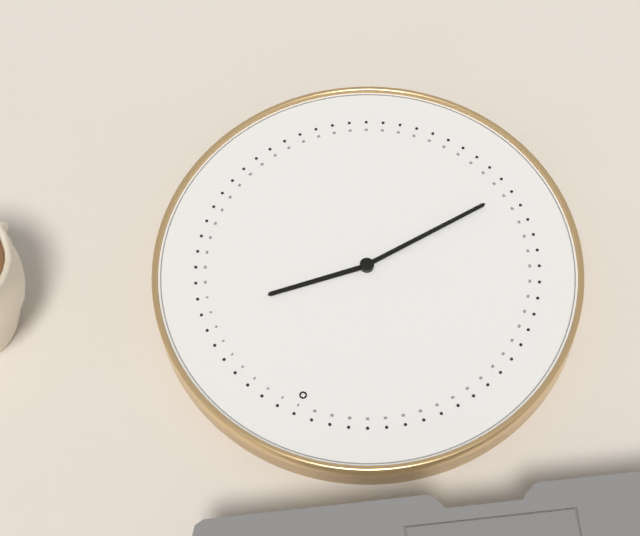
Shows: h=1 m=36
